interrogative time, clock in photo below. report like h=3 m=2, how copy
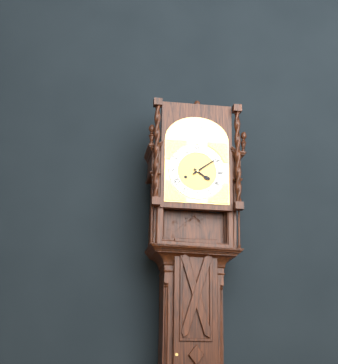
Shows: h=4 m=9
